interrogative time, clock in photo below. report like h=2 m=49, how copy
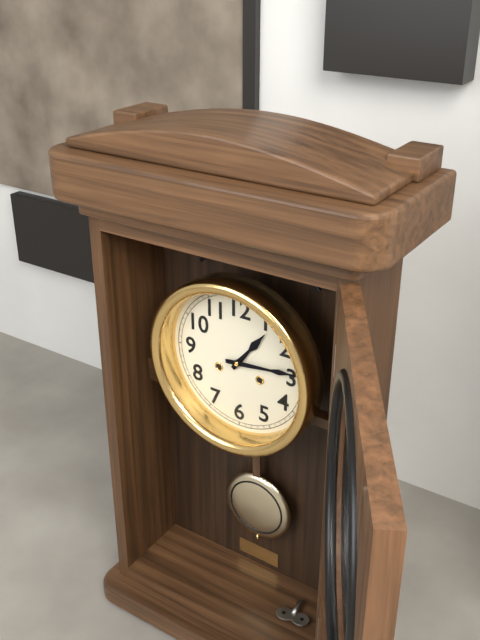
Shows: h=1 m=14
